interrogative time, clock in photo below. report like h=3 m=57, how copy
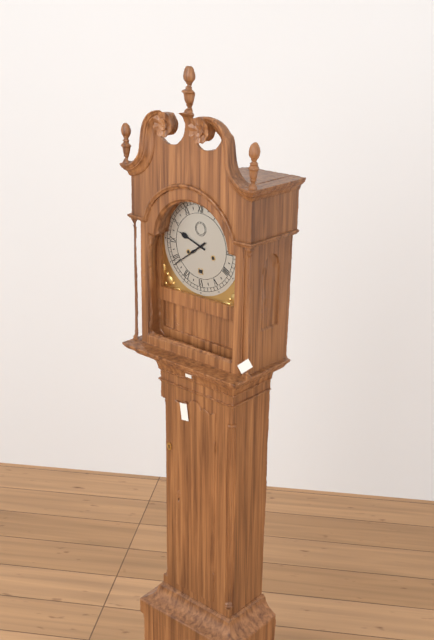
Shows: h=9 m=39
